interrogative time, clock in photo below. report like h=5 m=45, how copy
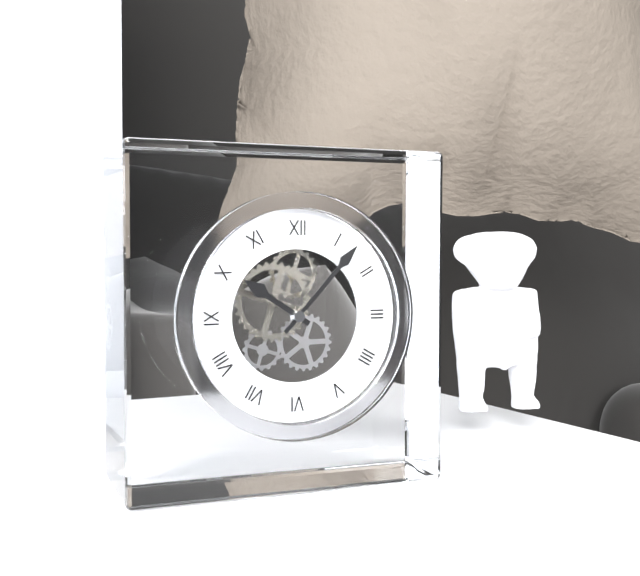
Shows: h=10 m=7
